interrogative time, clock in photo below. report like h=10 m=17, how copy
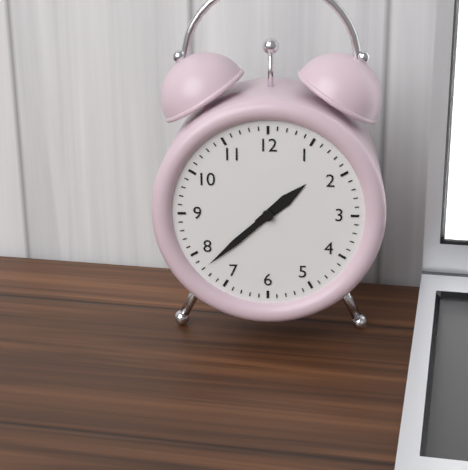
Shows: h=1 m=38
